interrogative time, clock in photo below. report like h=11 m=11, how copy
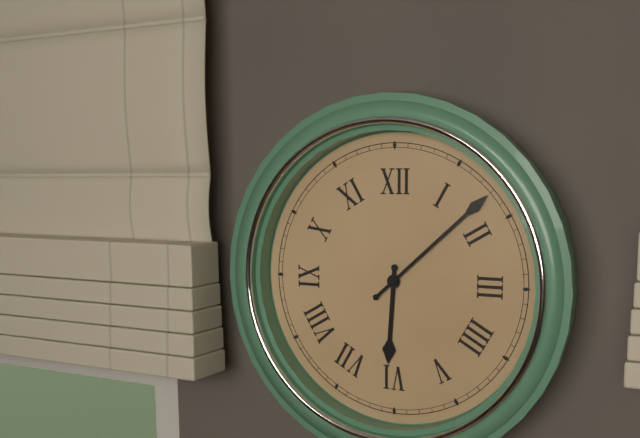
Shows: h=6 m=8
